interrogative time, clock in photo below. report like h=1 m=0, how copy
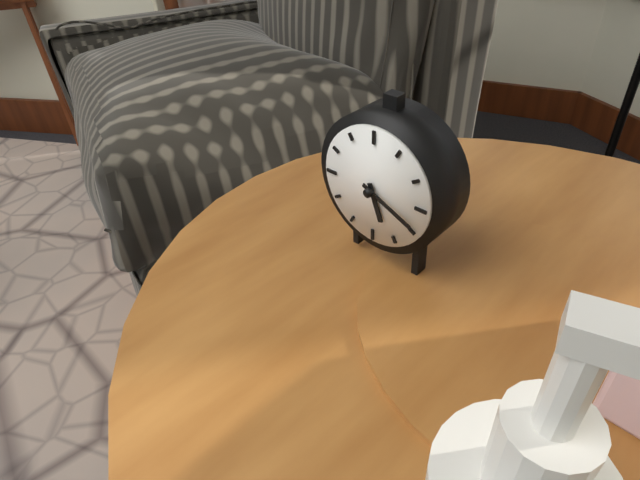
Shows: h=5 m=19
